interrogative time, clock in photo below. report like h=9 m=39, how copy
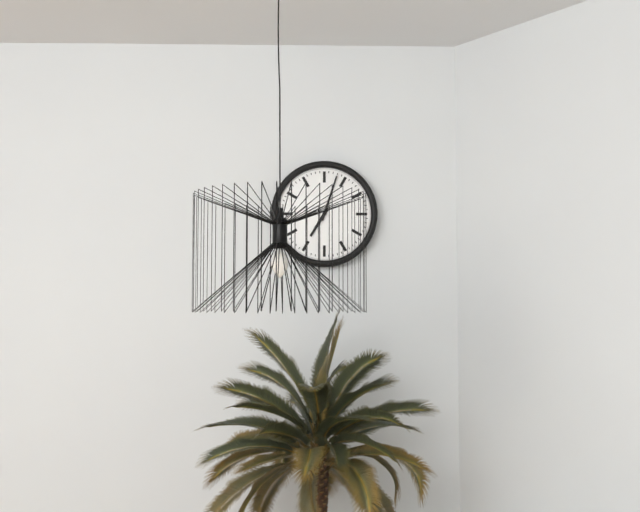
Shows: h=7 m=3
